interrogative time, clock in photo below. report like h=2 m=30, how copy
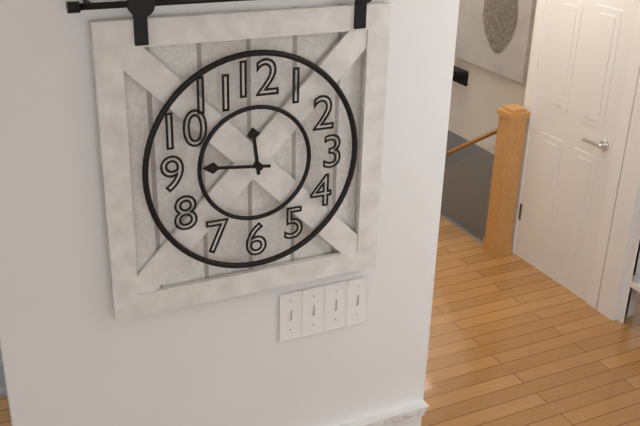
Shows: h=11 m=46
